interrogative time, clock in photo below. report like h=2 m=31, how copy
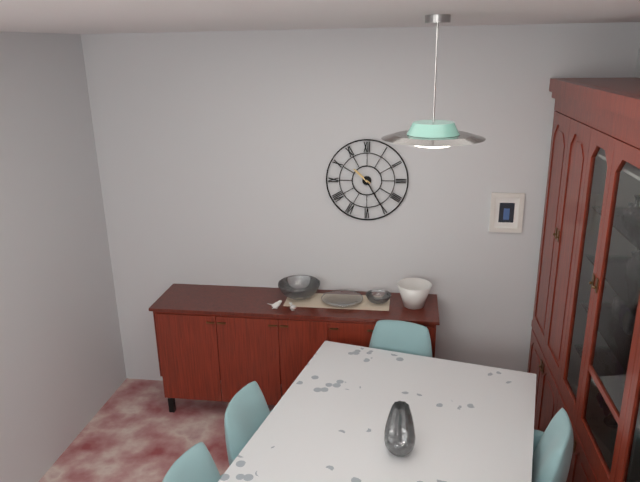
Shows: h=10 m=25
